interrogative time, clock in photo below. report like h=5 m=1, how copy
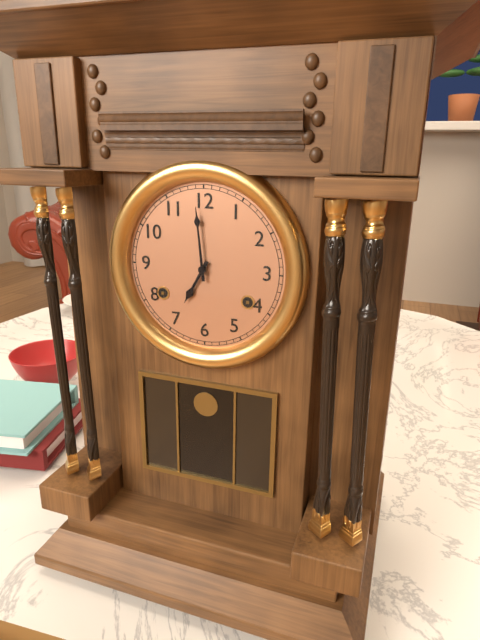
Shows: h=6 m=59
